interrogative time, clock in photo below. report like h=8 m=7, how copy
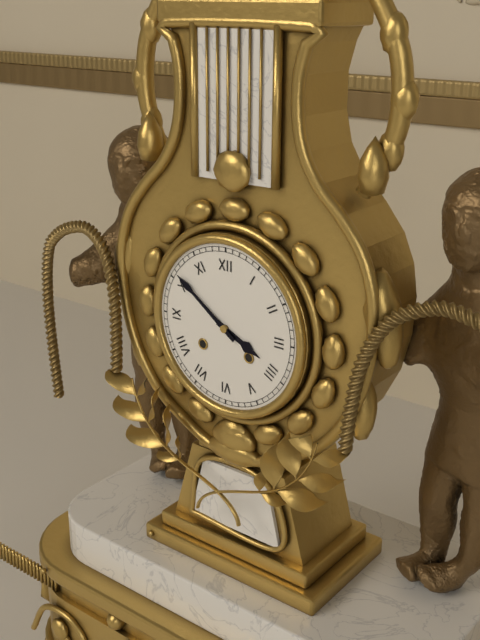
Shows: h=3 m=51
